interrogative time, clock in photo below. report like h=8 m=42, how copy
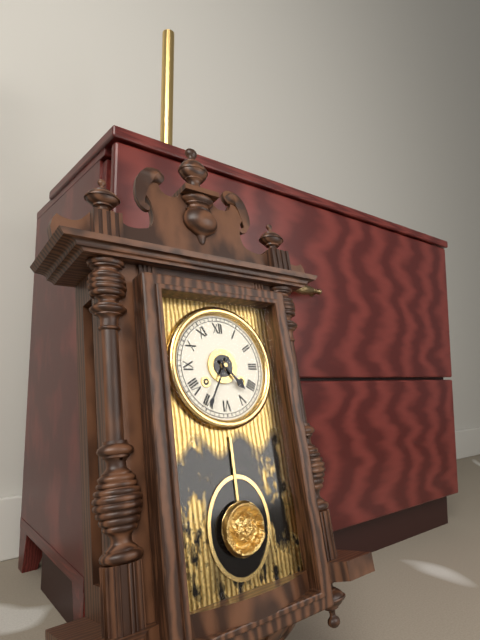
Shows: h=4 m=35
